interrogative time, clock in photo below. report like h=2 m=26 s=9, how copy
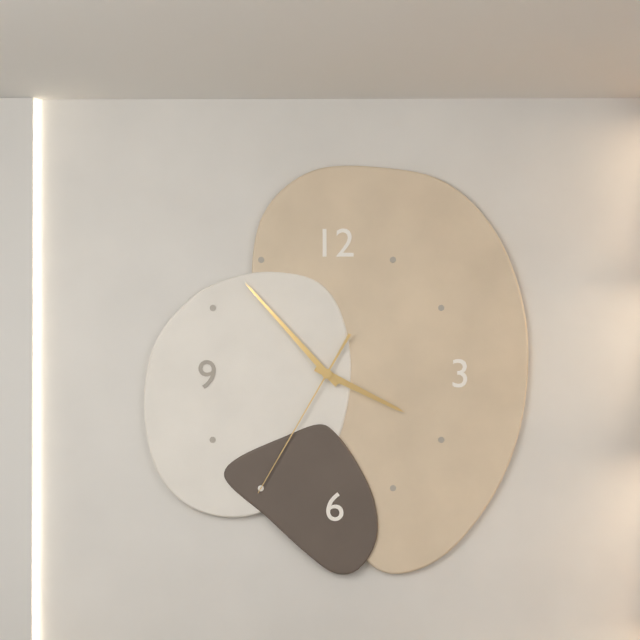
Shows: h=3 m=53 s=35
